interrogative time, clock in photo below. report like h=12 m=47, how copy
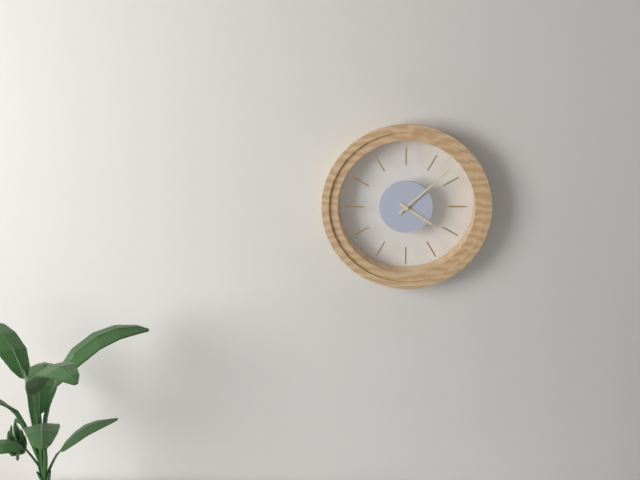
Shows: h=4 m=8
